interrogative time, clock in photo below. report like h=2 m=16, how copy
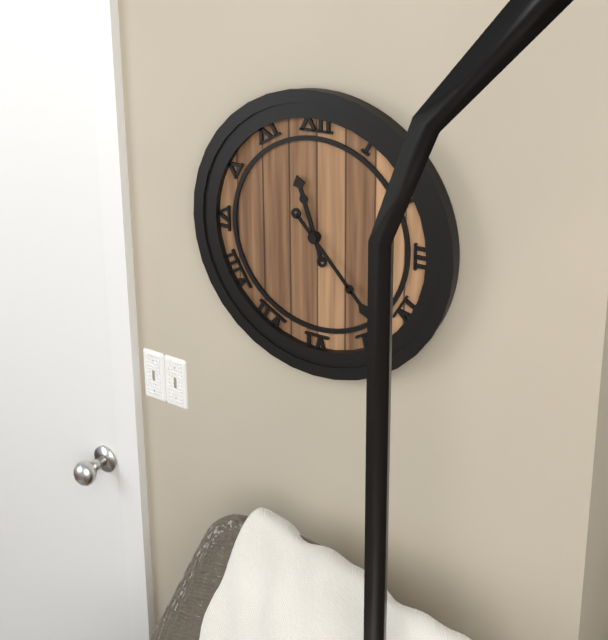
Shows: h=11 m=23
